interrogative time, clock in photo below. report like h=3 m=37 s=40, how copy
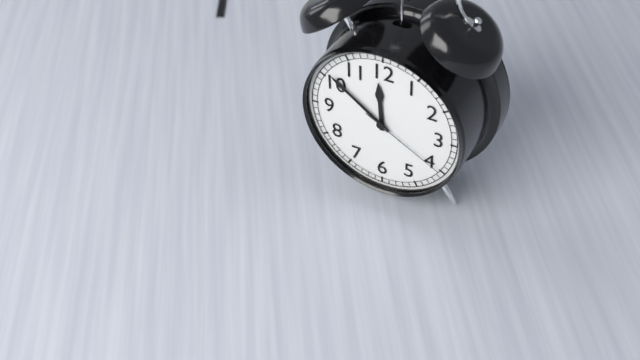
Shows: h=11 m=51 s=20
